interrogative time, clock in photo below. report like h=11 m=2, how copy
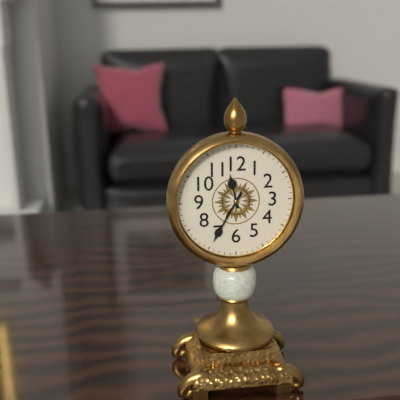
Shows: h=11 m=35
